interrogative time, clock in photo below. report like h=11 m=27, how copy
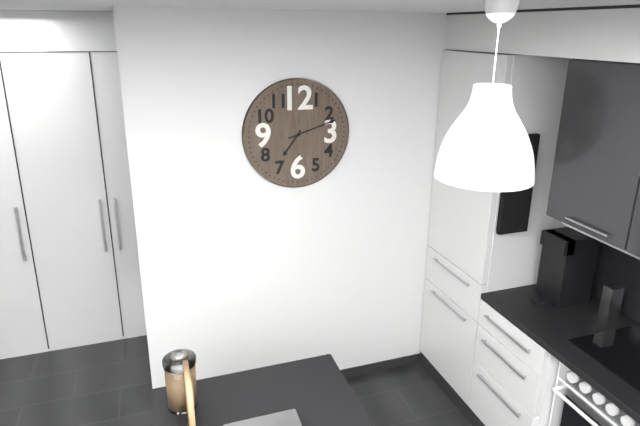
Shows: h=7 m=12
